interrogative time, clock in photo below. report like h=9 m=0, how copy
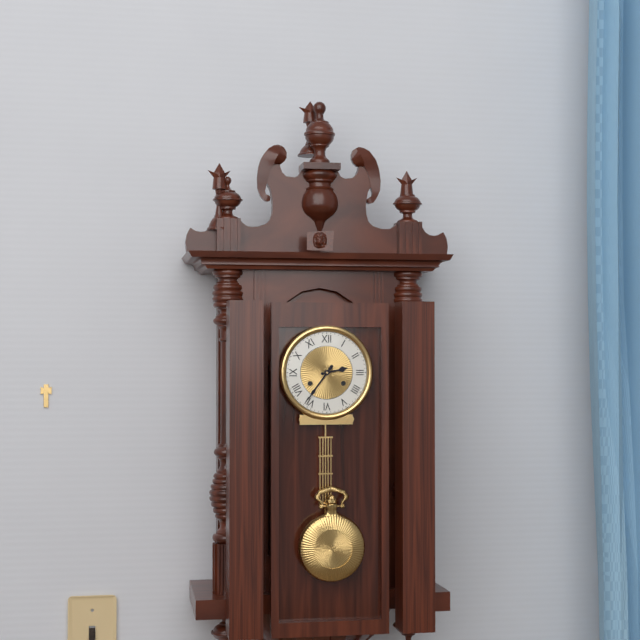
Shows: h=2 m=36
